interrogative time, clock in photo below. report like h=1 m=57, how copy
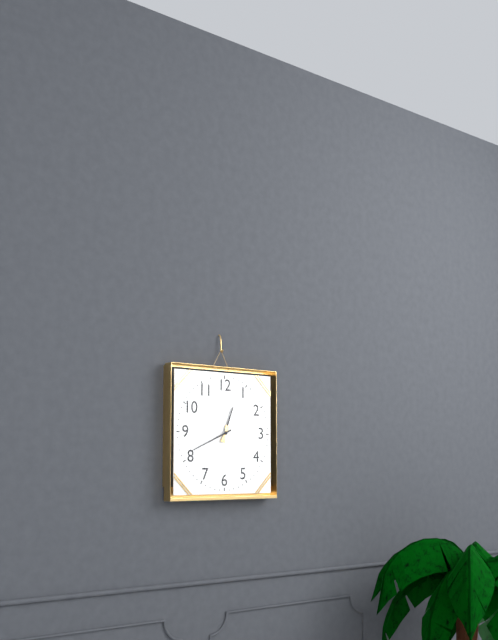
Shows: h=12 m=41
